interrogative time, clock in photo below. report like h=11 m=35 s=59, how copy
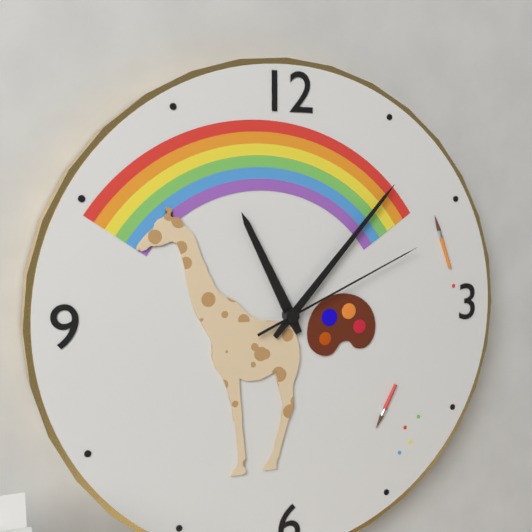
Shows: h=11 m=7 s=11
